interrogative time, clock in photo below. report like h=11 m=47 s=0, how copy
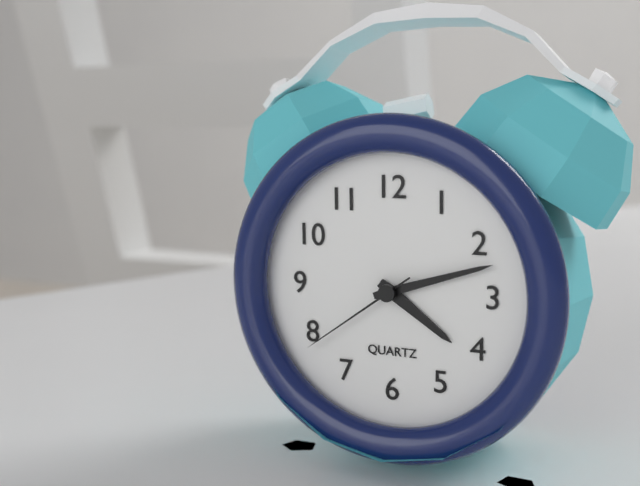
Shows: h=4 m=12 s=39
